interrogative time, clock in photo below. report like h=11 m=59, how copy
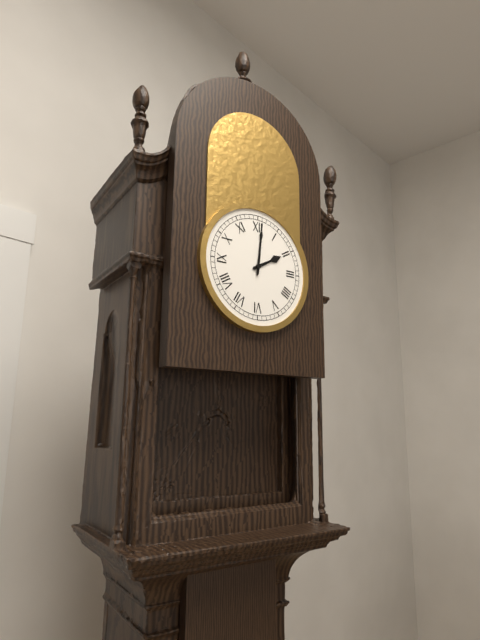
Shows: h=2 m=1
